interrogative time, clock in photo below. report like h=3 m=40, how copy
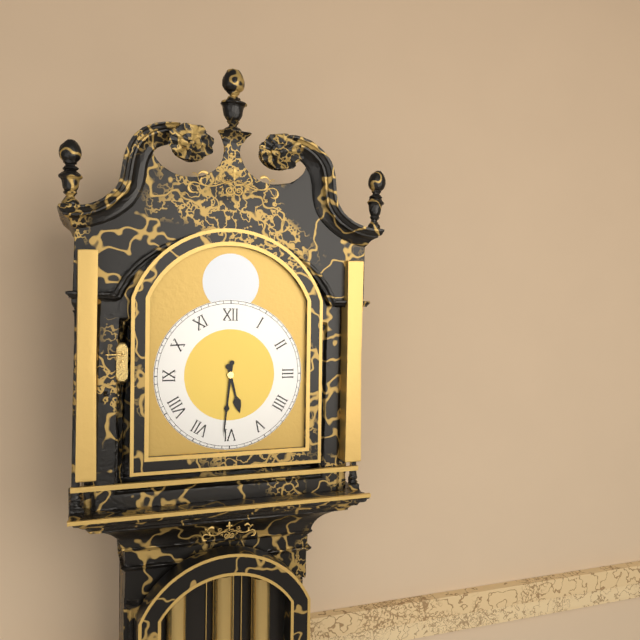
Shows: h=5 m=31
